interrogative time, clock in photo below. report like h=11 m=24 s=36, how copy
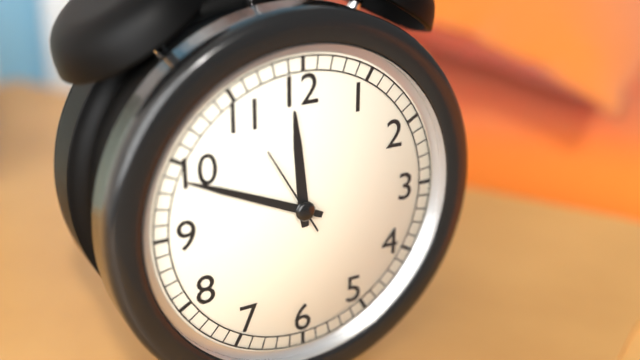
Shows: h=11 m=49 s=55
